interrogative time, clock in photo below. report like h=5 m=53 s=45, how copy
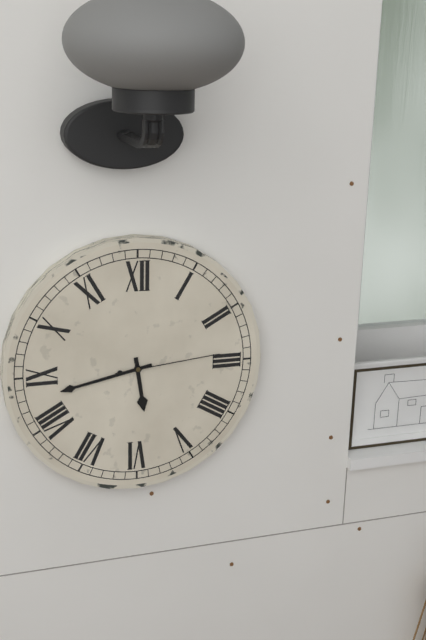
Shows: h=5 m=43 s=14
